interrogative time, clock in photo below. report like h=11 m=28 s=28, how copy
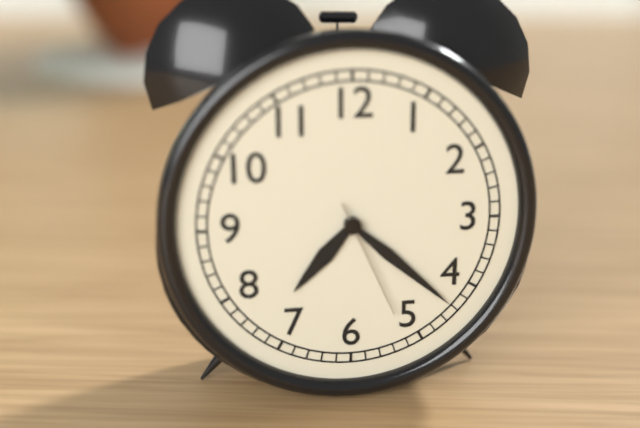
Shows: h=7 m=22 s=26
